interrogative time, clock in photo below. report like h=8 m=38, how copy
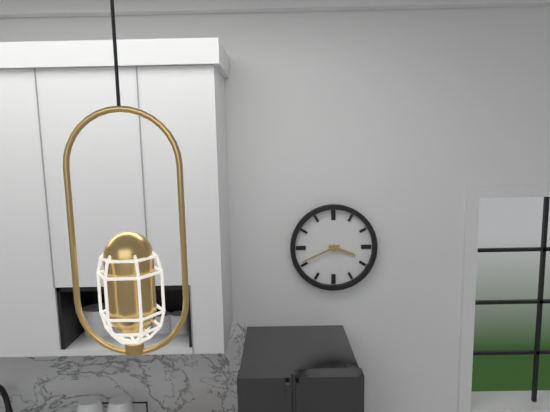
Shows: h=3 m=41
